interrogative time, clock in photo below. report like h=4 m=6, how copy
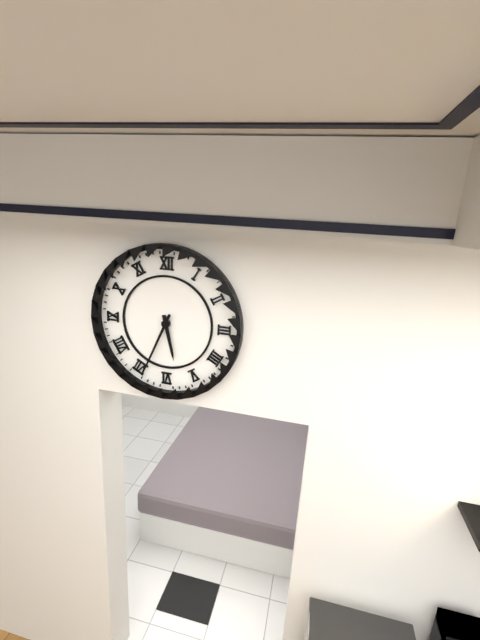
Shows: h=5 m=34
